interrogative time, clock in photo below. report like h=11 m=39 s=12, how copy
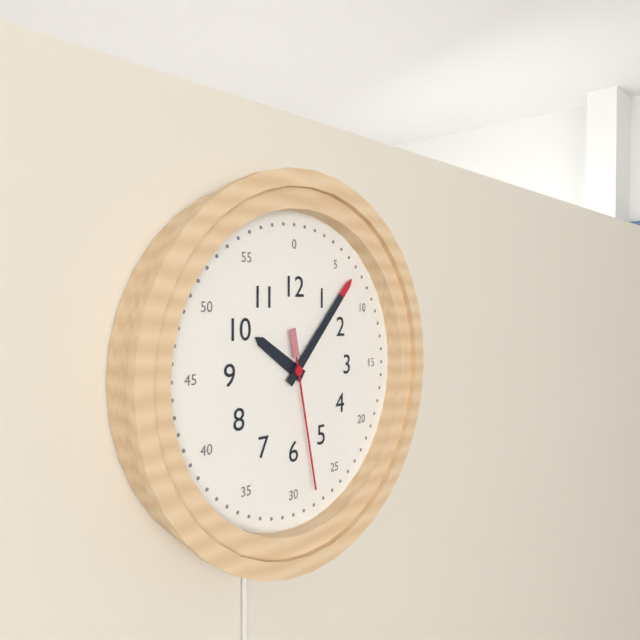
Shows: h=10 m=7 s=28
